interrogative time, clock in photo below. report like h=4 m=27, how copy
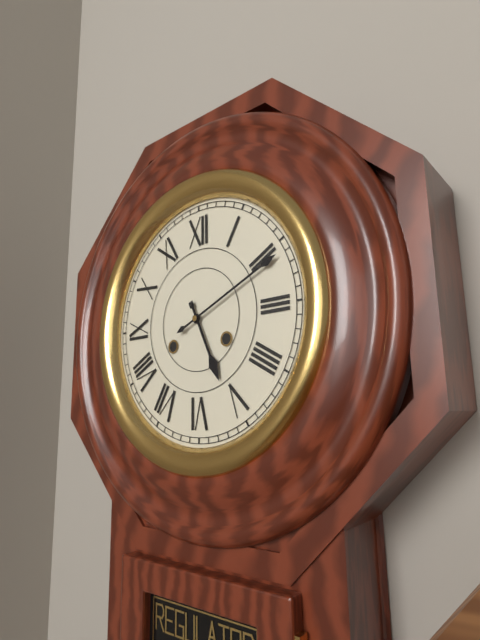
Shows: h=5 m=11
